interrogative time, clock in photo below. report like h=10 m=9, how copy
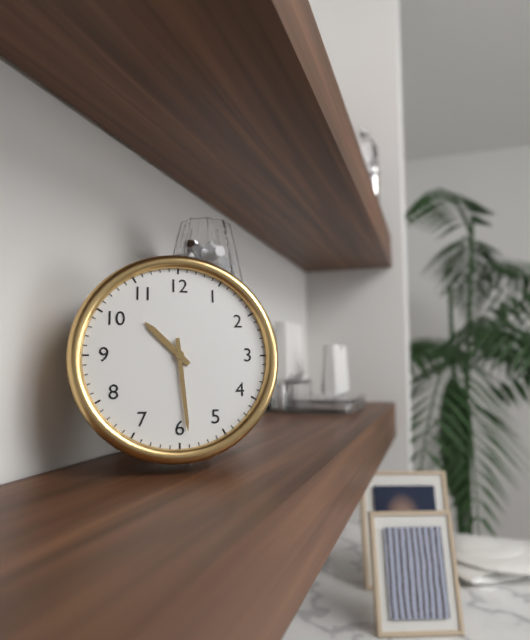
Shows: h=10 m=29
